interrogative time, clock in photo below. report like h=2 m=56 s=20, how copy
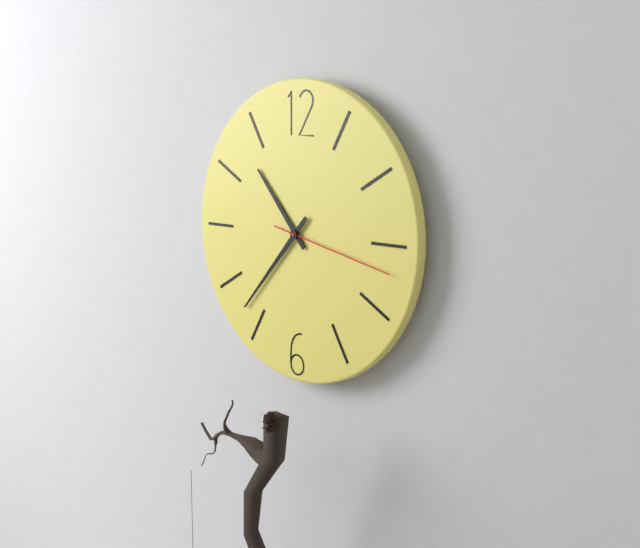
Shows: h=10 m=37 s=17
